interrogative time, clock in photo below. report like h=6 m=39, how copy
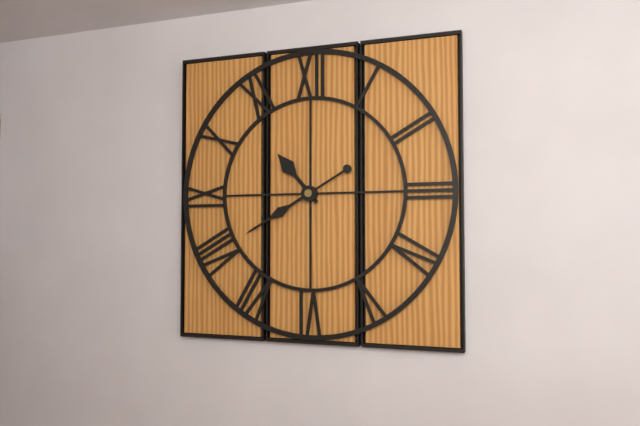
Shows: h=10 m=40
